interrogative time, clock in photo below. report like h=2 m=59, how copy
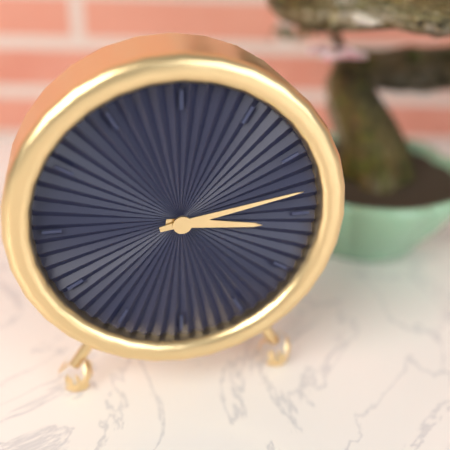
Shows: h=3 m=13
